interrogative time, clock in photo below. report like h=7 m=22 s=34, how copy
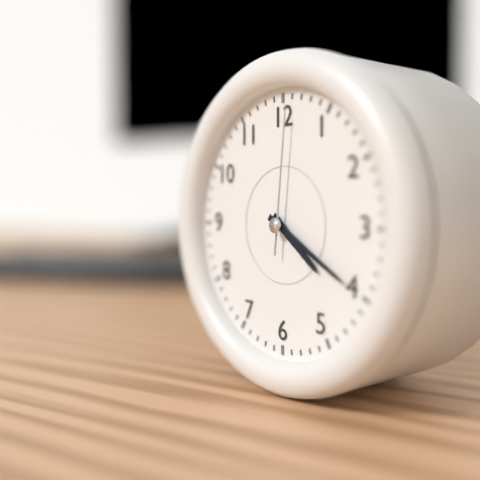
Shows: h=4 m=20 s=1
